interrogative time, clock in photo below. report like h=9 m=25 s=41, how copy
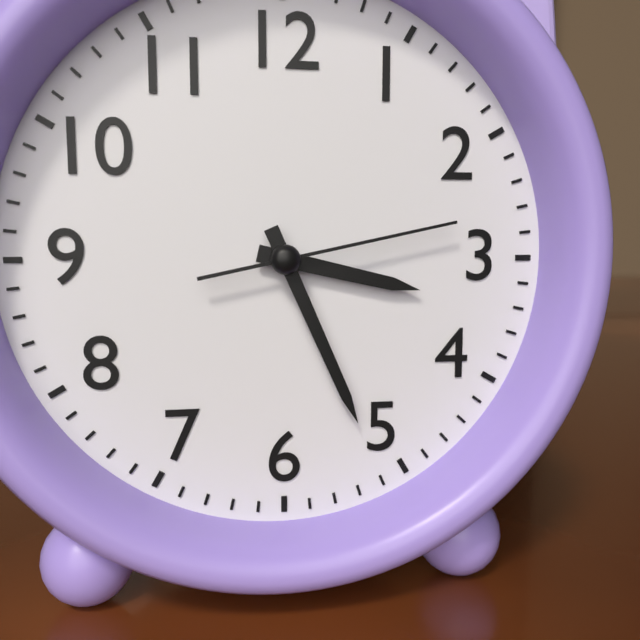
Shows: h=3 m=26 s=13
